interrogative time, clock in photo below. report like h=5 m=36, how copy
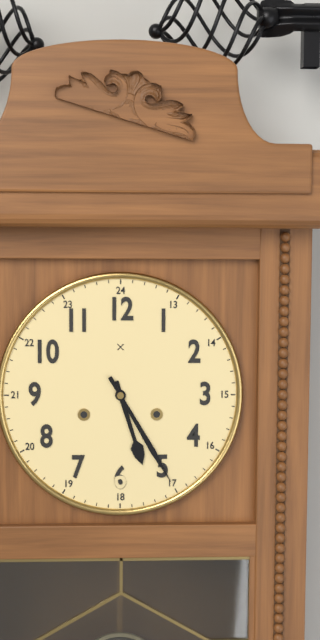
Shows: h=5 m=25
